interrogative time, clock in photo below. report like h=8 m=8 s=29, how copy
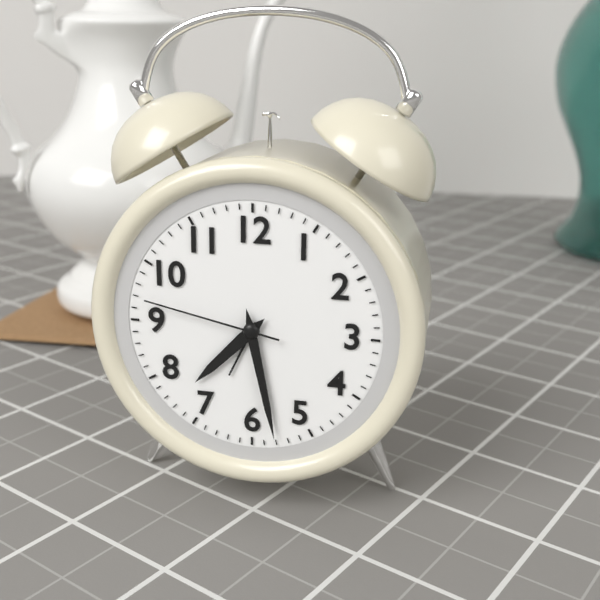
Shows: h=7 m=28 s=47
